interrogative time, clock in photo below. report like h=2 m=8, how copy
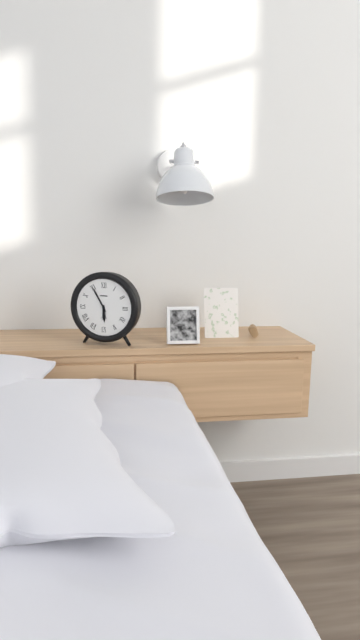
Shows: h=5 m=55
